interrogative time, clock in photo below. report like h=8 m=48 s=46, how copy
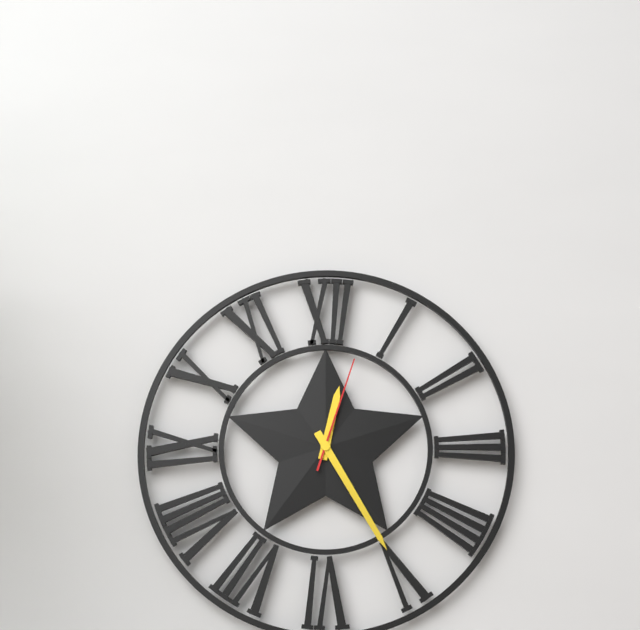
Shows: h=12 m=25 s=3
